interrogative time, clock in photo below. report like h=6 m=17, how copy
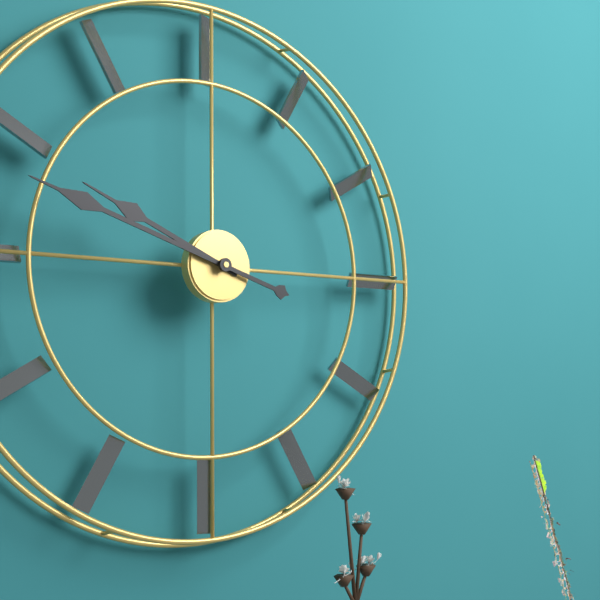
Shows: h=9 m=48
